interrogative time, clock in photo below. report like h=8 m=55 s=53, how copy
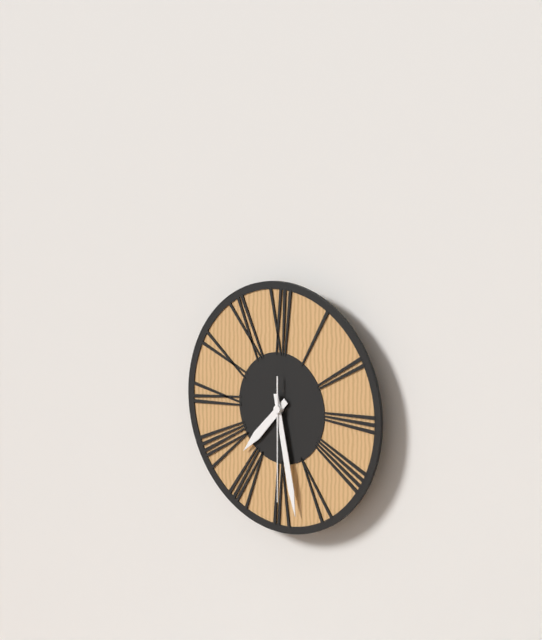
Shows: h=7 m=28 s=30
